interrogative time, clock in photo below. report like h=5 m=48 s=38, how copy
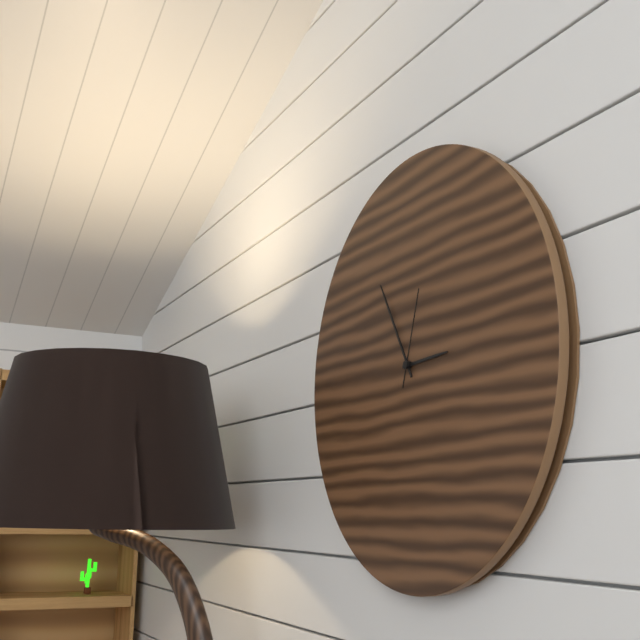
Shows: h=2 m=55 s=3
